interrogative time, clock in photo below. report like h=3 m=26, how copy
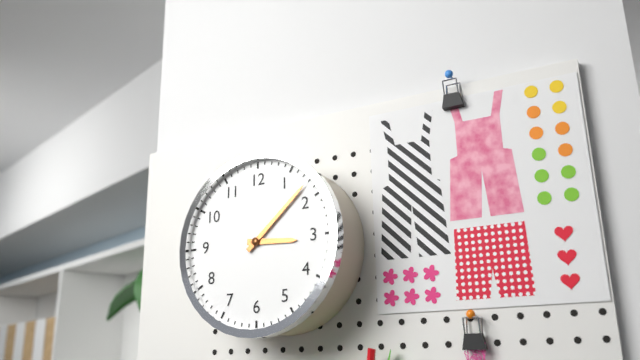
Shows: h=3 m=8
